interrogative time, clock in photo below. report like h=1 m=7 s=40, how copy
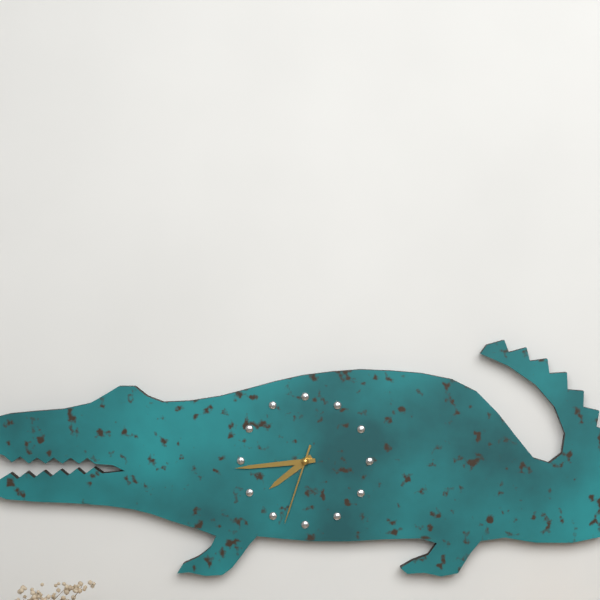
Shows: h=7 m=44 s=33
